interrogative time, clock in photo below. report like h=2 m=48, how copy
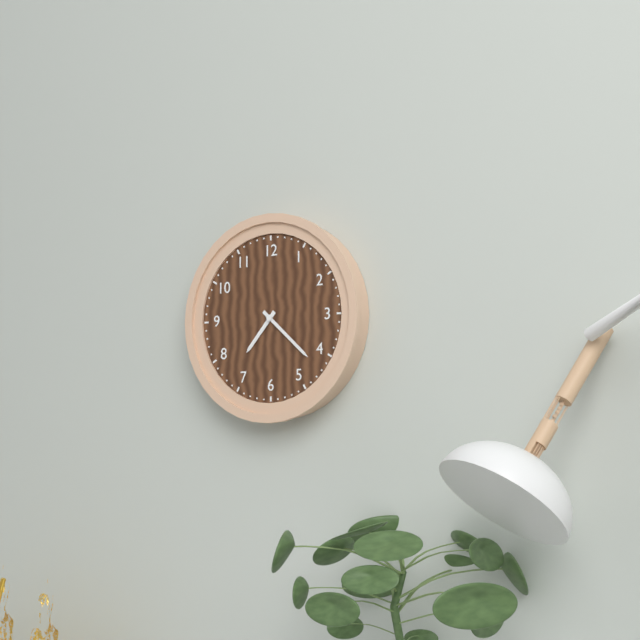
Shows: h=7 m=22
